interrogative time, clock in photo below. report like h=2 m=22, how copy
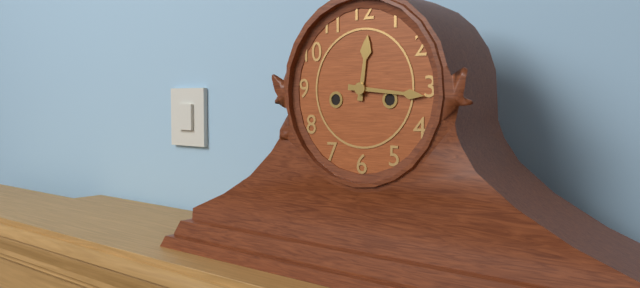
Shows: h=12 m=16
